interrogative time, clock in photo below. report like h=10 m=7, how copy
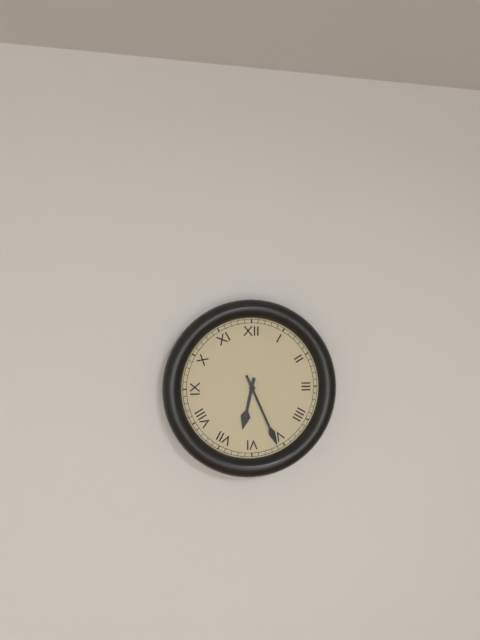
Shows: h=6 m=26
